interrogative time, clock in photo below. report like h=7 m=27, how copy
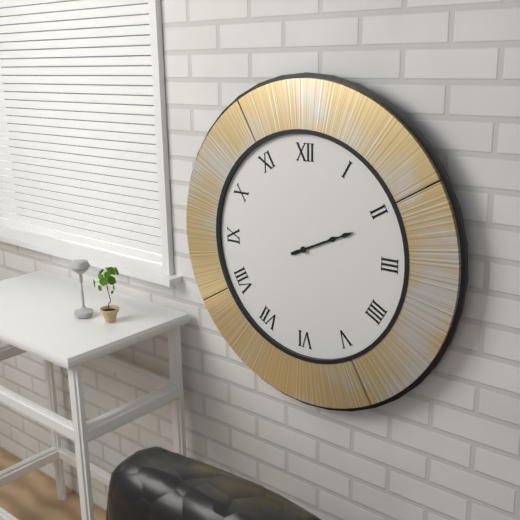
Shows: h=2 m=11
